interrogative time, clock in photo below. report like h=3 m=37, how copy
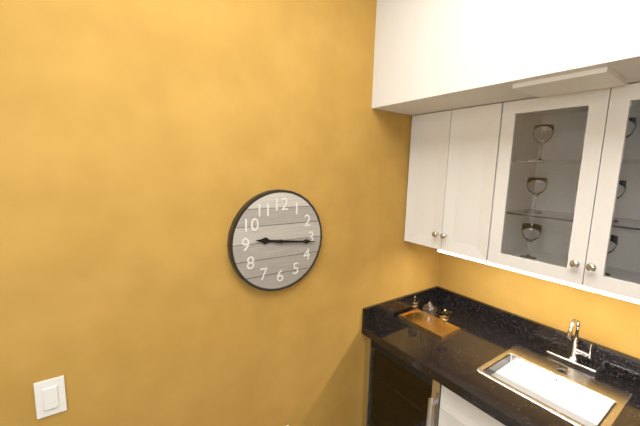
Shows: h=9 m=16
